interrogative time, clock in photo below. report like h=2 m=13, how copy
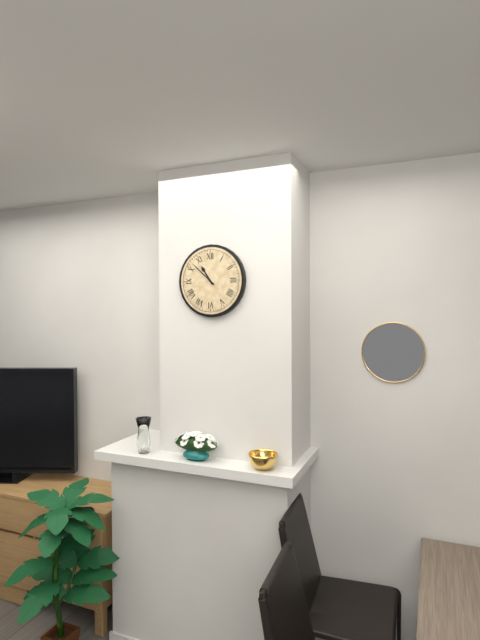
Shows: h=10 m=52
